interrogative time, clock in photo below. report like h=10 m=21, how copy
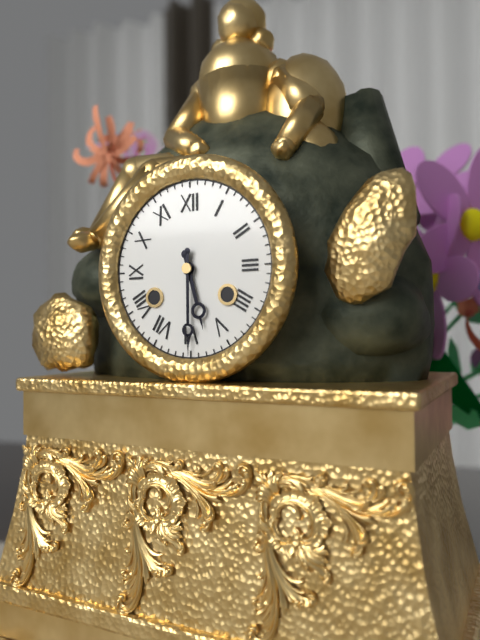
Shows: h=5 m=30
